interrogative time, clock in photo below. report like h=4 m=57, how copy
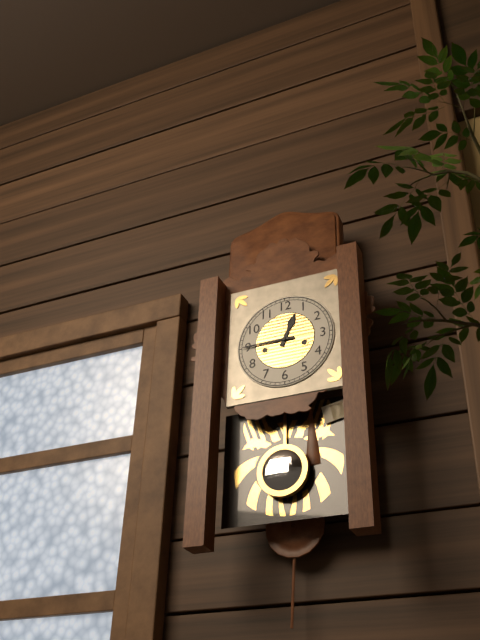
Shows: h=12 m=45
